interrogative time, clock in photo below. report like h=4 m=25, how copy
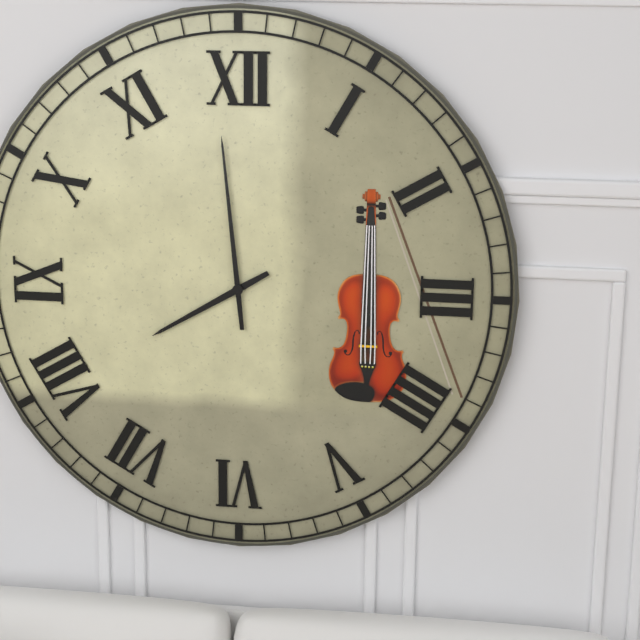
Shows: h=7 m=59
